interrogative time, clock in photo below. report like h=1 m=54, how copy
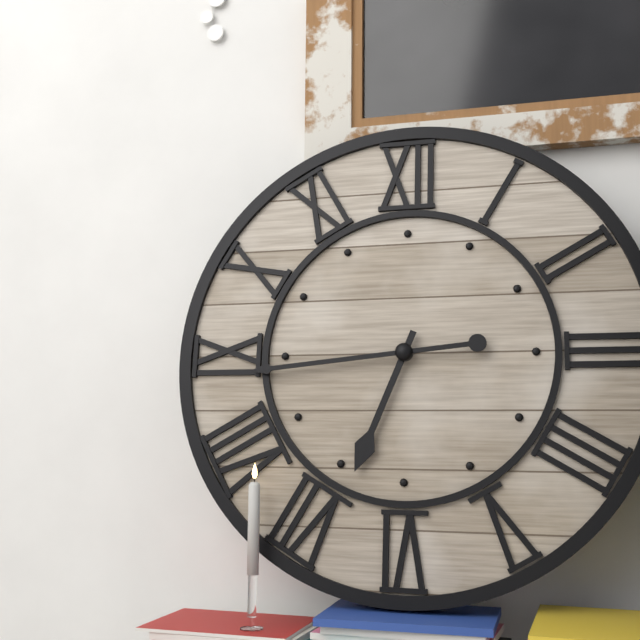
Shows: h=6 m=44
